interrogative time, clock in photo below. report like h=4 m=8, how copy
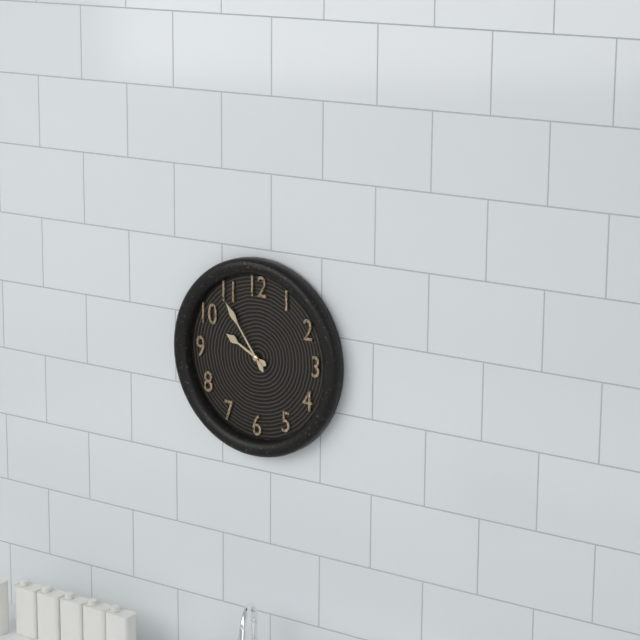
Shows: h=9 m=54
